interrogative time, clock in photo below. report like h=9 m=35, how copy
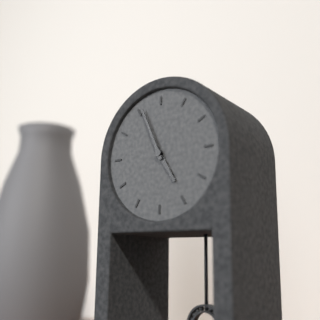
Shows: h=4 m=56
